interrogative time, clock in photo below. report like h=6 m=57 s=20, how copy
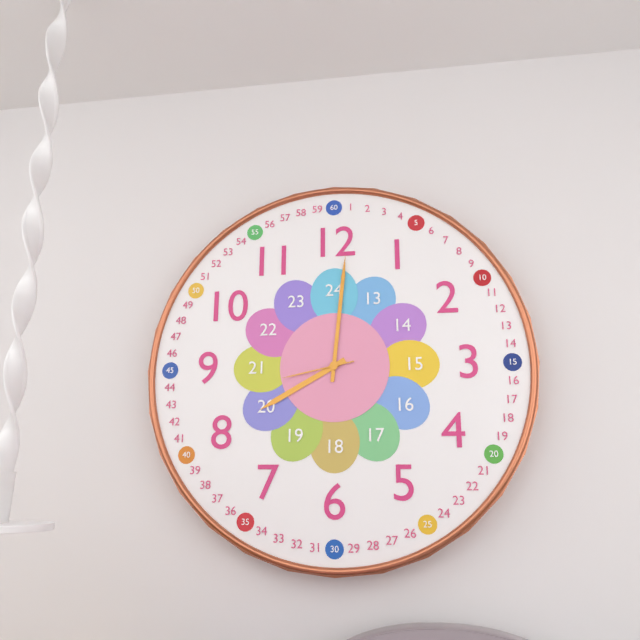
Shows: h=8 m=1 s=43
